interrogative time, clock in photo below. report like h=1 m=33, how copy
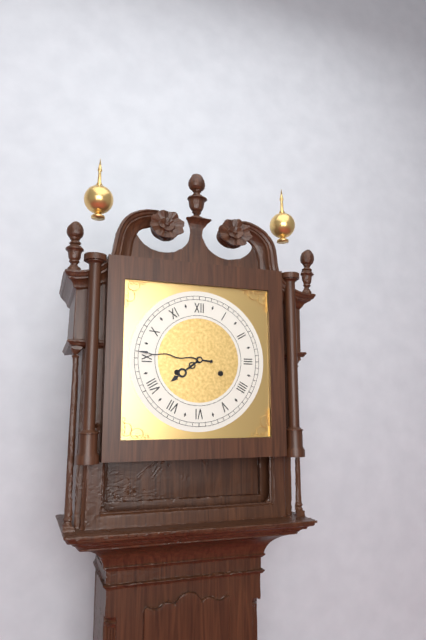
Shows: h=7 m=46
